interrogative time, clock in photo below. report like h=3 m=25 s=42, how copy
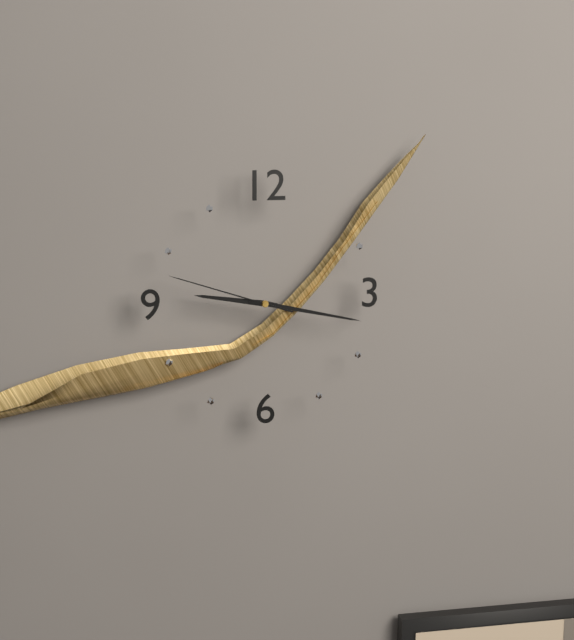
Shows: h=9 m=17 s=48
